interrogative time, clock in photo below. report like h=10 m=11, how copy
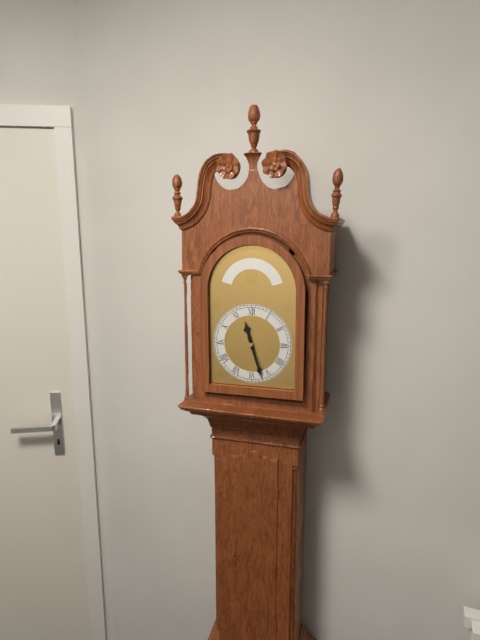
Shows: h=11 m=27
